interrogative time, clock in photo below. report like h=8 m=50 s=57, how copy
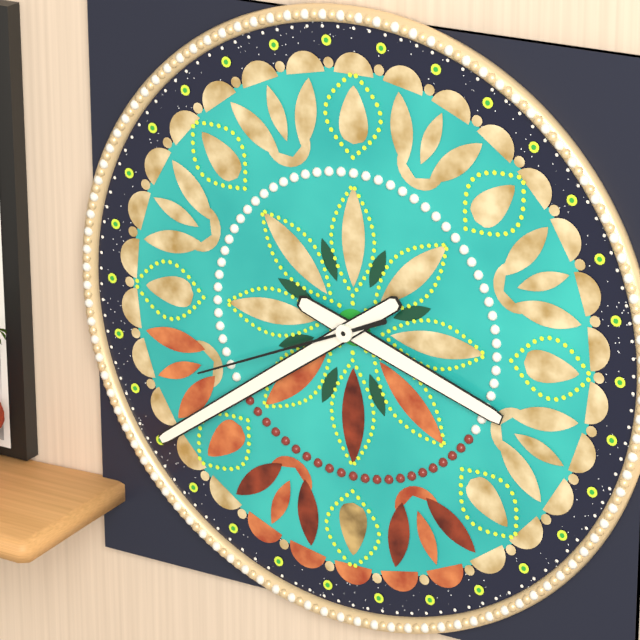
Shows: h=3 m=39 s=41
